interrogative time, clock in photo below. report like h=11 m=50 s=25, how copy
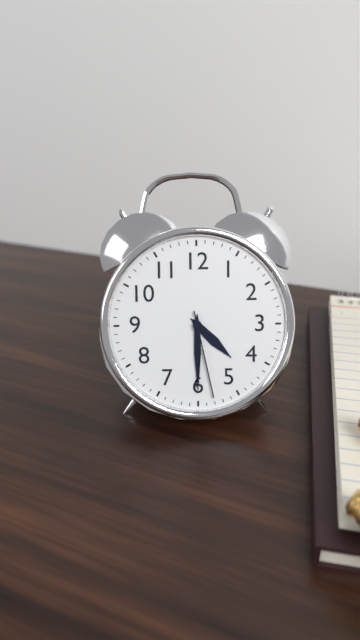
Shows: h=4 m=30 s=28
